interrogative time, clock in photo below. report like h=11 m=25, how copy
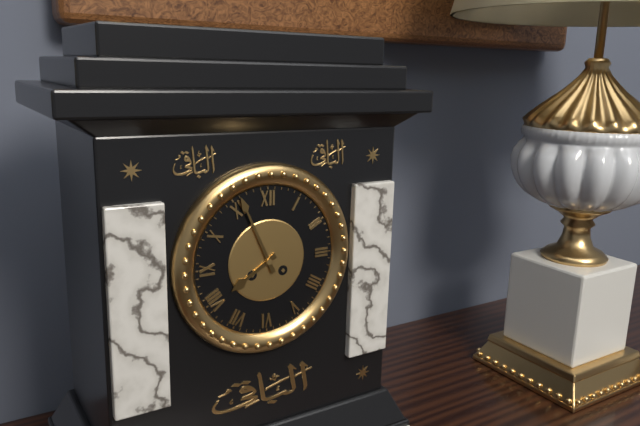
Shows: h=7 m=56
